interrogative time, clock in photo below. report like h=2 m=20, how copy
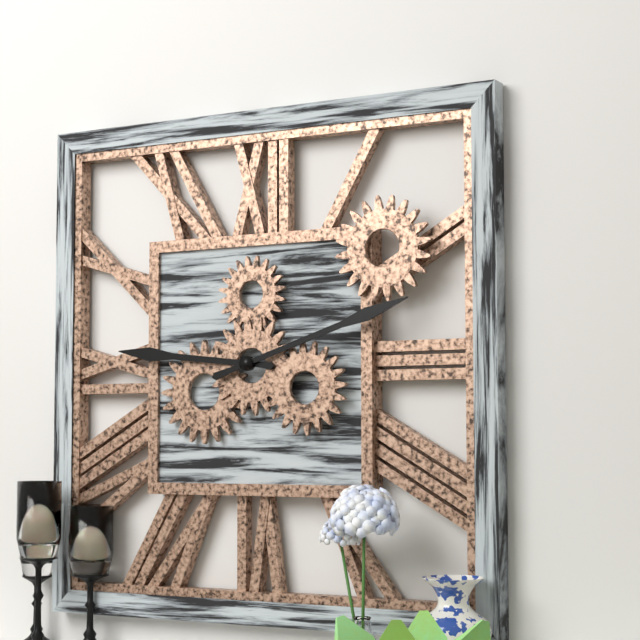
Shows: h=9 m=12
